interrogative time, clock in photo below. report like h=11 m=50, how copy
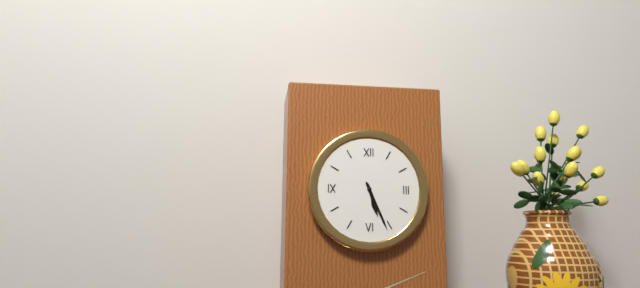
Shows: h=5 m=26
